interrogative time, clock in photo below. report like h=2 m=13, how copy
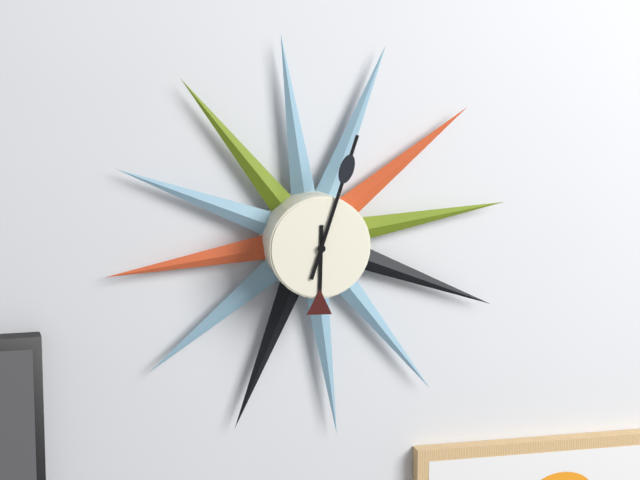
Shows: h=6 m=3
